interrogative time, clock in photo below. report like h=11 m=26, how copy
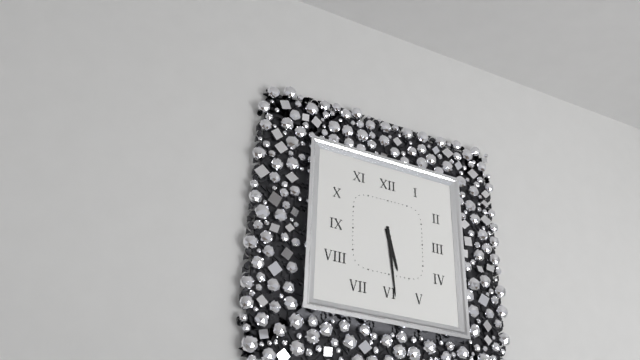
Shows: h=5 m=29
